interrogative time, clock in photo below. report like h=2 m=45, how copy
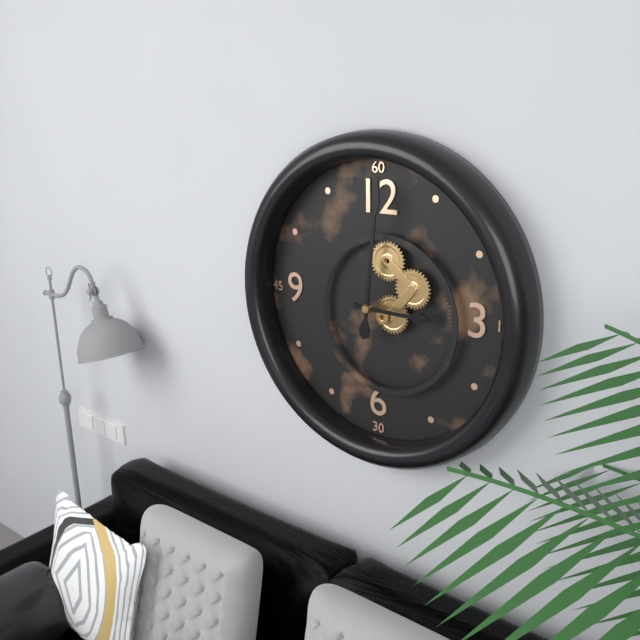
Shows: h=3 m=1
